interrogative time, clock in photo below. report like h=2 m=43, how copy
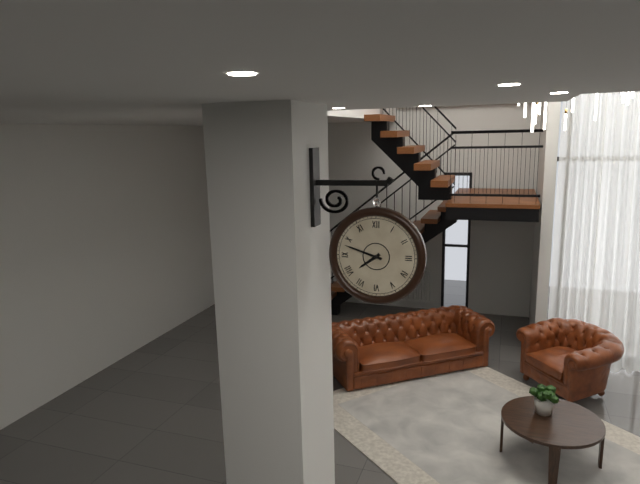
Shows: h=7 m=48
